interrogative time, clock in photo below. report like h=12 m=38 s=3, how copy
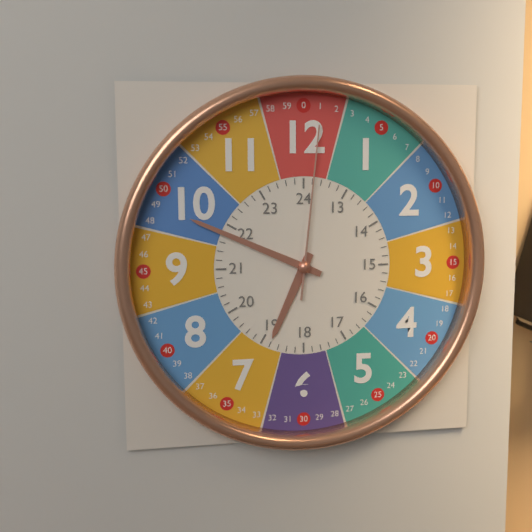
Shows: h=6 m=49 s=1
